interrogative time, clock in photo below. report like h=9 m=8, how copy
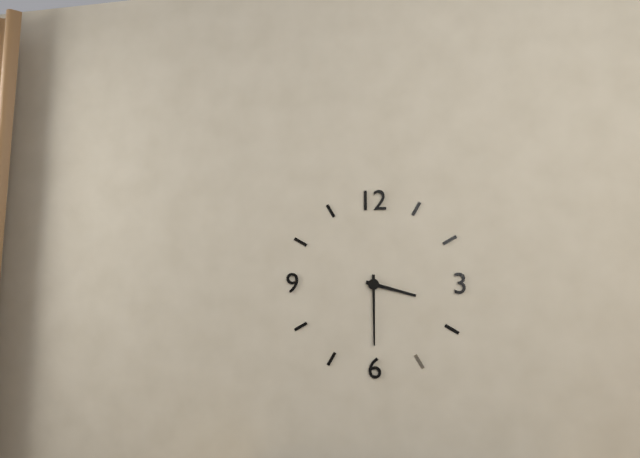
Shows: h=3 m=30
